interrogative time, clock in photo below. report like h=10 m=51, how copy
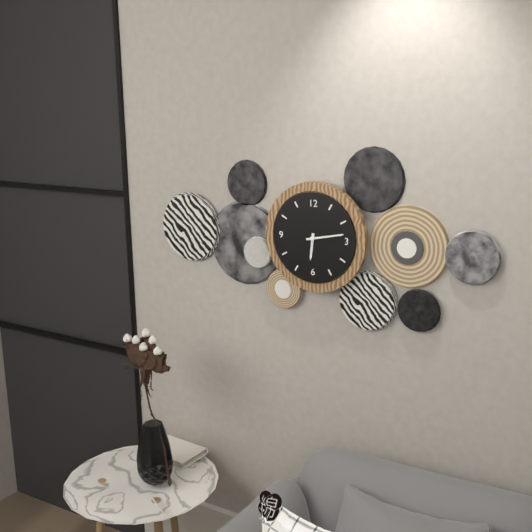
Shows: h=6 m=13
